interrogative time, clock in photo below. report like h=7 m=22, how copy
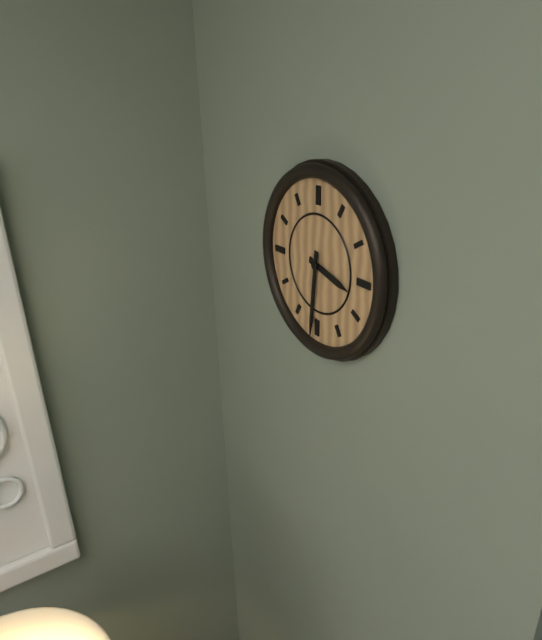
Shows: h=3 m=31
